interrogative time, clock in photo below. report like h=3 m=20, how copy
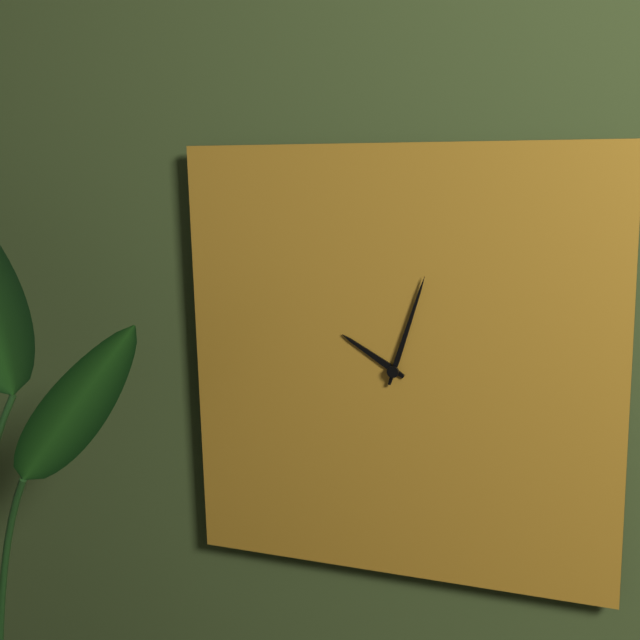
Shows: h=10 m=3
